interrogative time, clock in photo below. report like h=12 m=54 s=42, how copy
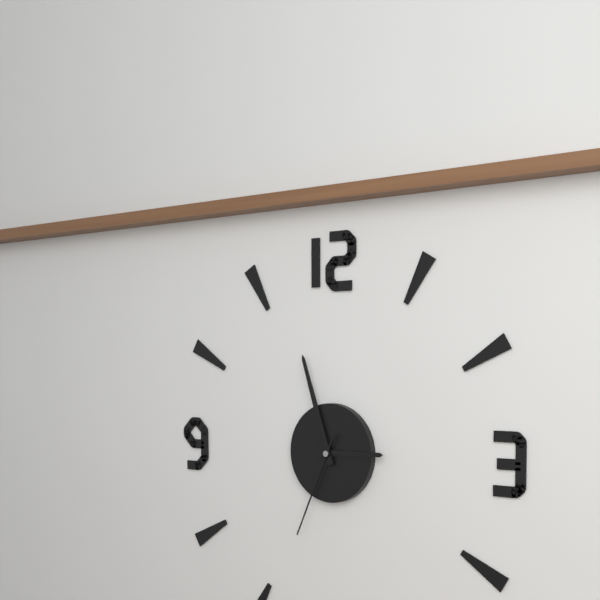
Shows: h=2 m=57 s=34
